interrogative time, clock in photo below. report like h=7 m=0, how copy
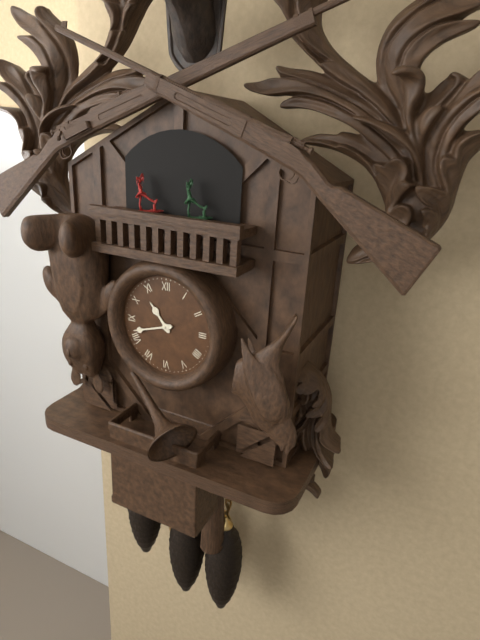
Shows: h=10 m=42
